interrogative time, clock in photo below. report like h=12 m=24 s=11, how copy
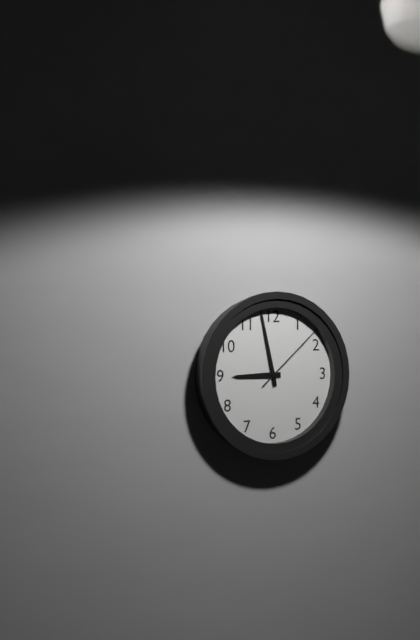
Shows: h=8 m=58 s=8
